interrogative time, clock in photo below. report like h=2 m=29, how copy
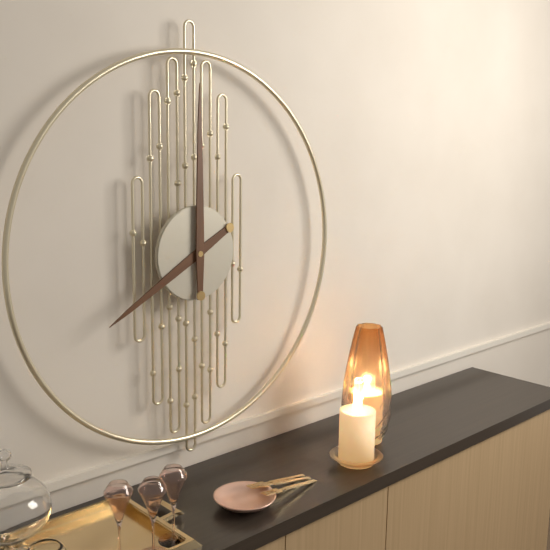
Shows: h=8 m=0
